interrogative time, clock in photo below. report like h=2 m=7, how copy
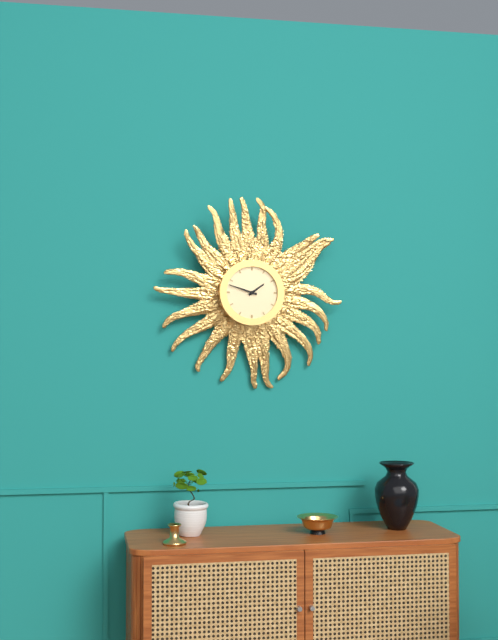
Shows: h=1 m=48
